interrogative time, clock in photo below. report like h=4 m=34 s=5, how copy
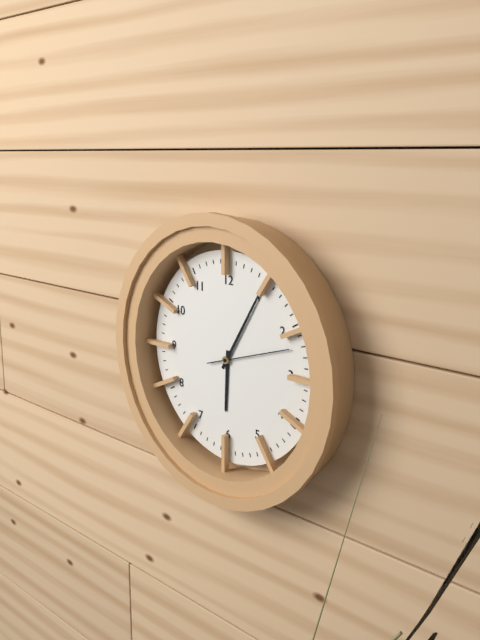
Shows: h=6 m=5 s=12
